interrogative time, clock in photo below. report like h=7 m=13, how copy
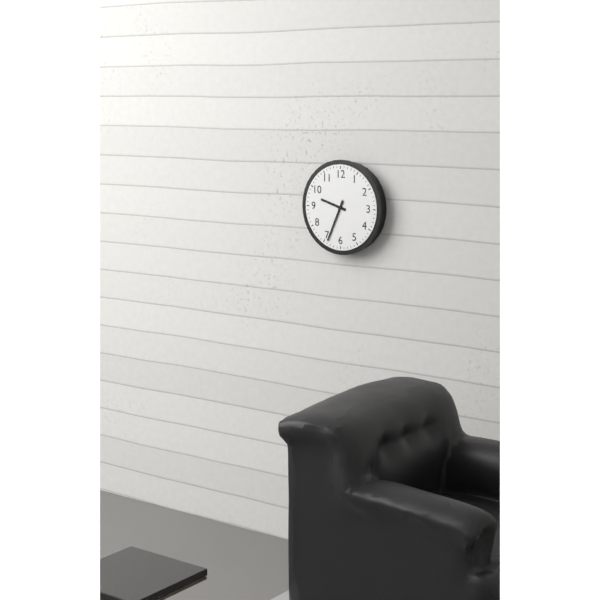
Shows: h=9 m=34
